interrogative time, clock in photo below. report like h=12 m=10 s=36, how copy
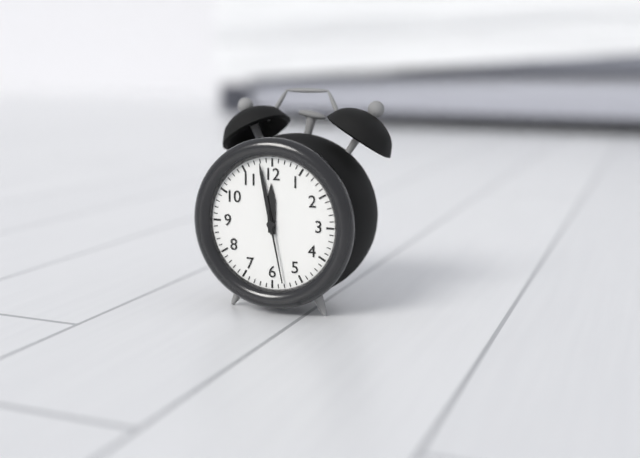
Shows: h=11 m=58 s=28
